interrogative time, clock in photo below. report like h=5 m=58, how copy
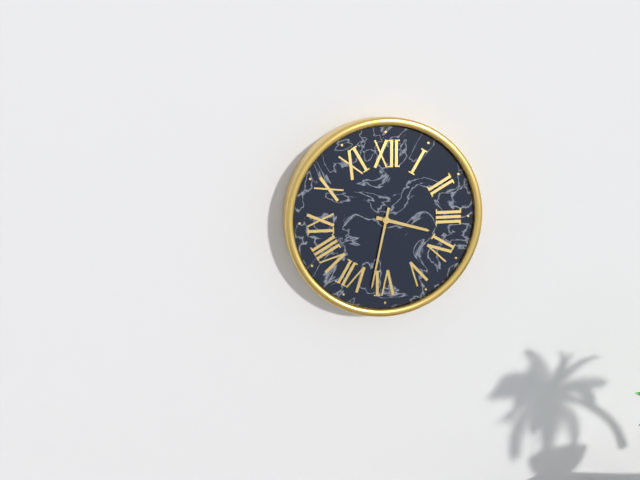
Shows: h=3 m=32
